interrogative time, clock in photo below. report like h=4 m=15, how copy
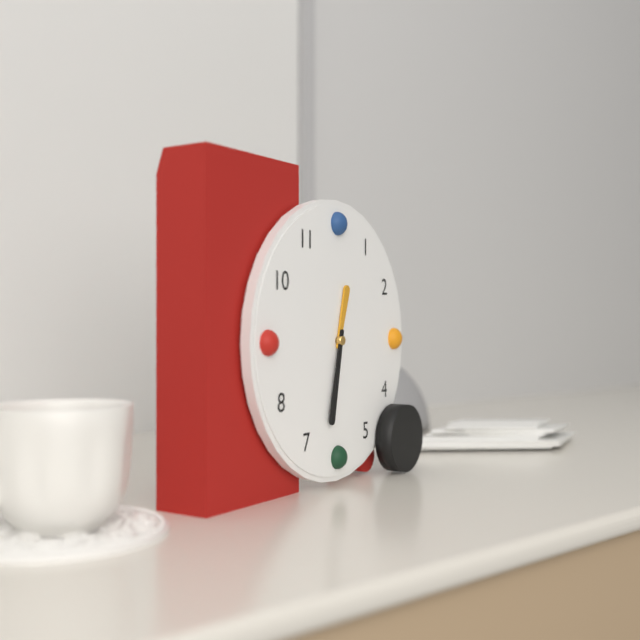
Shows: h=12 m=32
